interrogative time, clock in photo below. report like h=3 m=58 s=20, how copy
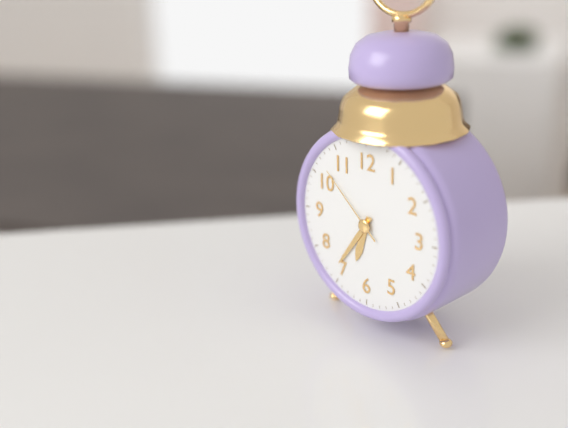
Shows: h=6 m=36 s=52
